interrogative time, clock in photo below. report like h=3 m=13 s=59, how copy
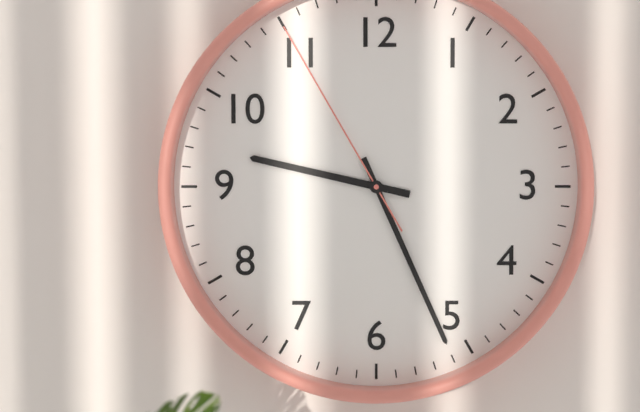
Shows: h=9 m=26 s=55
